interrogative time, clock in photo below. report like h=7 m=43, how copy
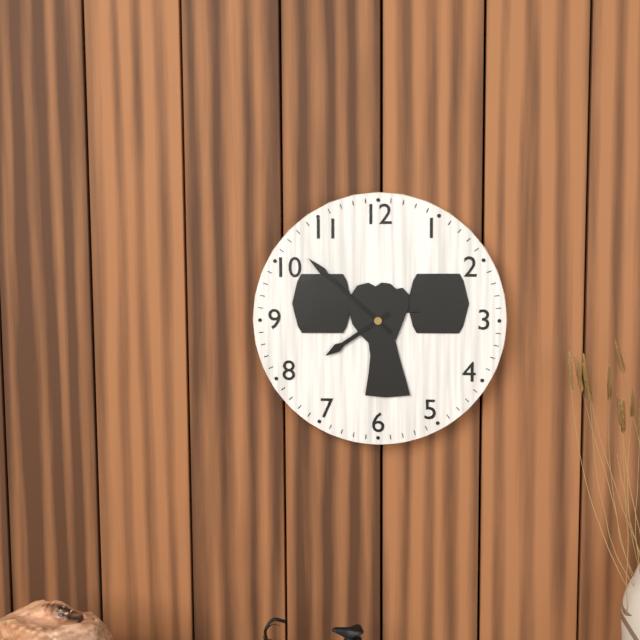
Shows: h=7 m=52
